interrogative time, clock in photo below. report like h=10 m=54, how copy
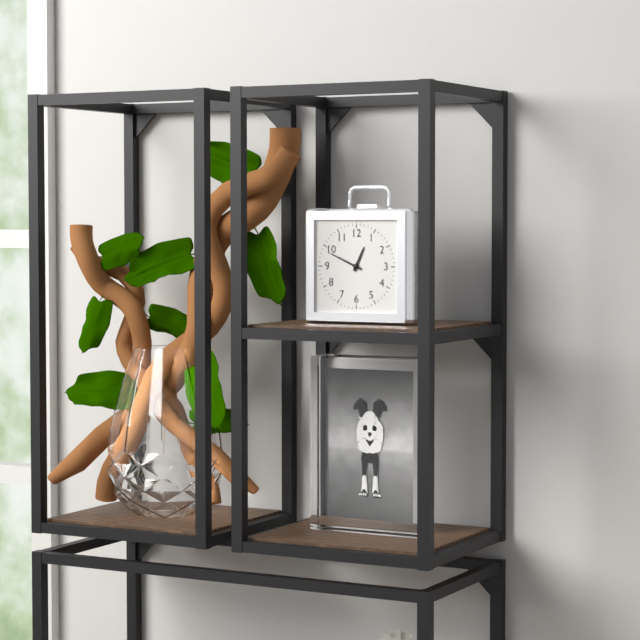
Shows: h=12 m=49
